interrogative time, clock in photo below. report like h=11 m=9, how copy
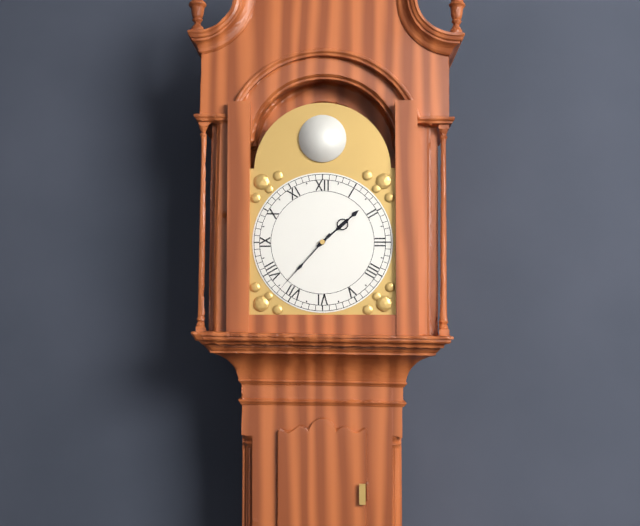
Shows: h=1 m=37
